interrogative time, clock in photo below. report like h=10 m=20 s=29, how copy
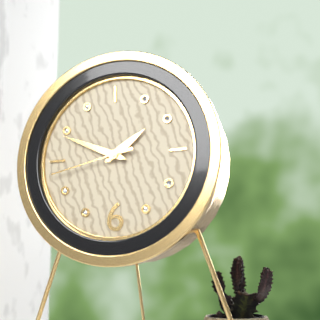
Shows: h=1 m=49 s=43
